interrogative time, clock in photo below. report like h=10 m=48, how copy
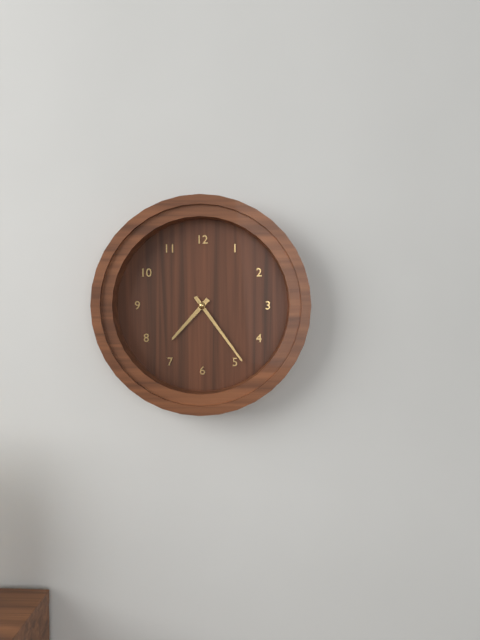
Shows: h=7 m=24
